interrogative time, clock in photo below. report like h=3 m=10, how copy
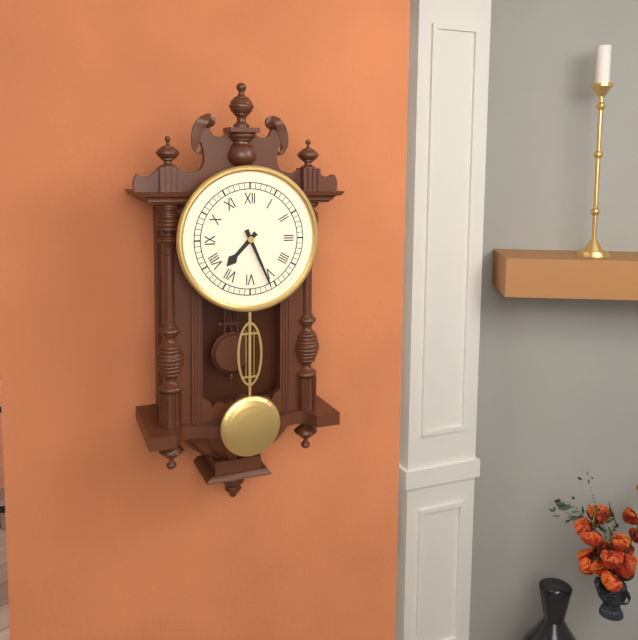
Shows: h=7 m=26
